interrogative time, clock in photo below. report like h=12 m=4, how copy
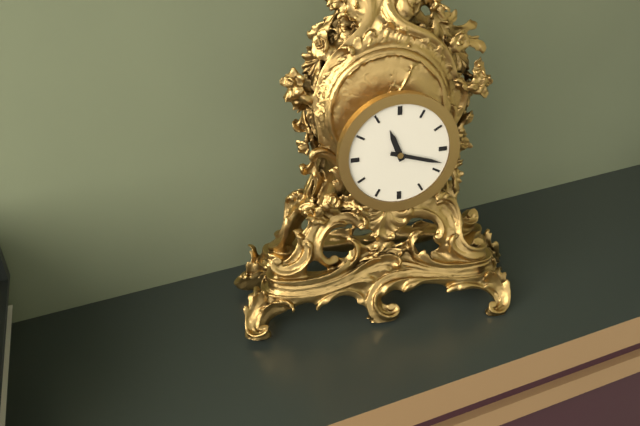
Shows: h=11 m=18
